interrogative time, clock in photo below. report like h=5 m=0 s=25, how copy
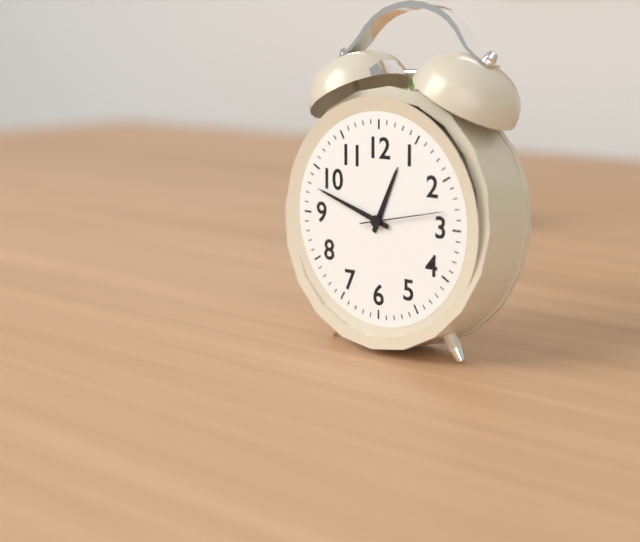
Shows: h=12 m=48 s=13
